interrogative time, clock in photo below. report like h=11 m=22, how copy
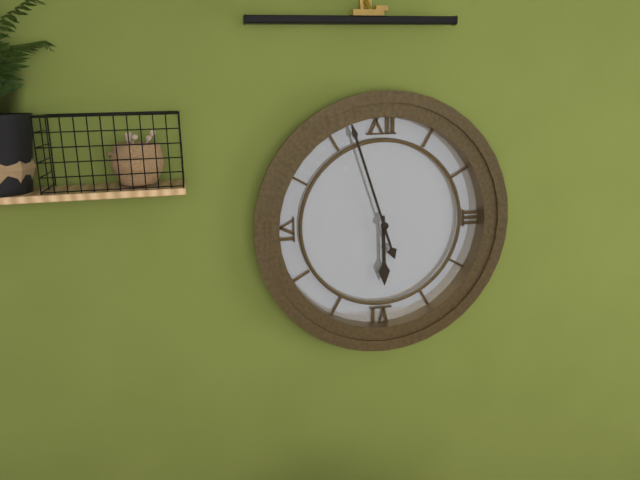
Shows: h=5 m=57
